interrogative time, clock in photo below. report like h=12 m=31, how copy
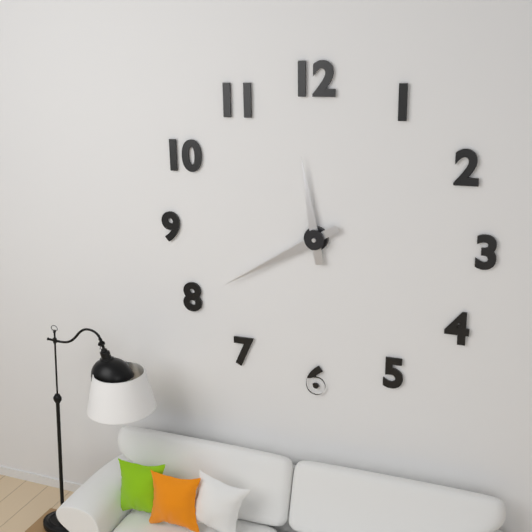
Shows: h=11 m=40
